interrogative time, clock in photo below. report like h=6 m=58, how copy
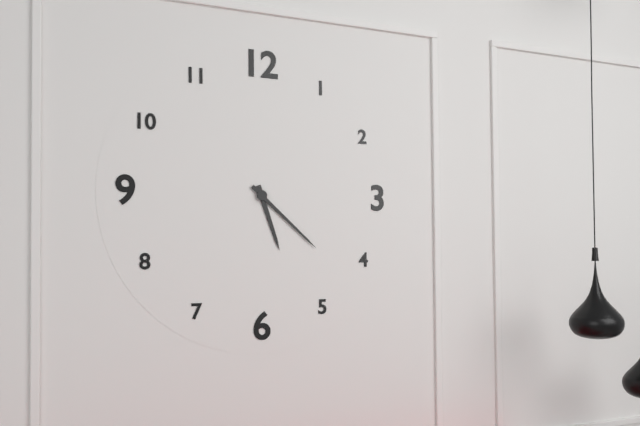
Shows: h=5 m=22
